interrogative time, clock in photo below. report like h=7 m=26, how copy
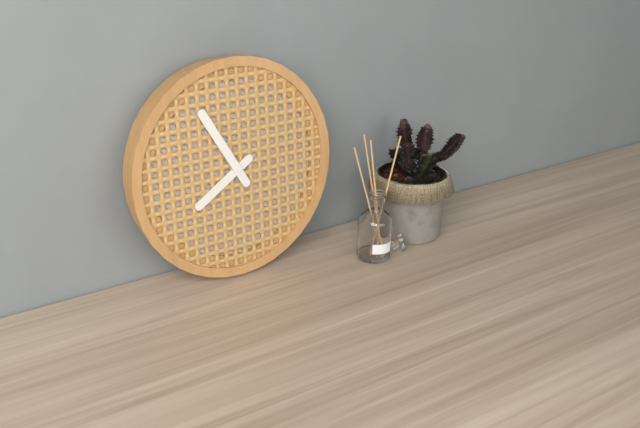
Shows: h=7 m=55
